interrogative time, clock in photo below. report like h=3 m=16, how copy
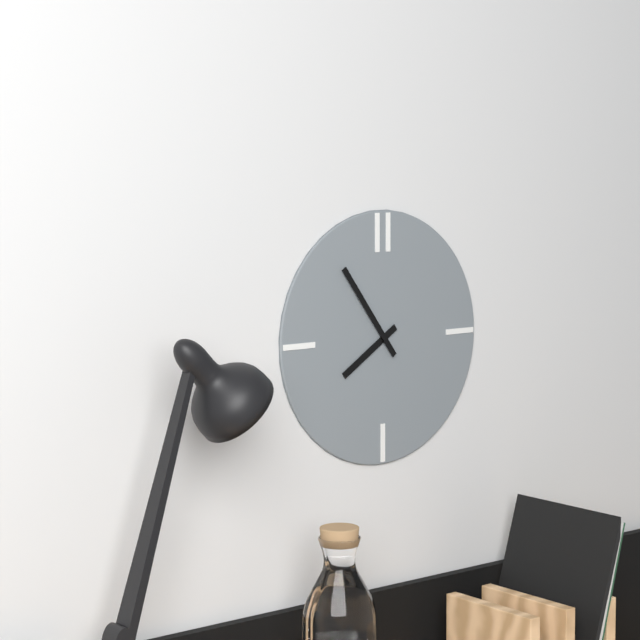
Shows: h=7 m=54
